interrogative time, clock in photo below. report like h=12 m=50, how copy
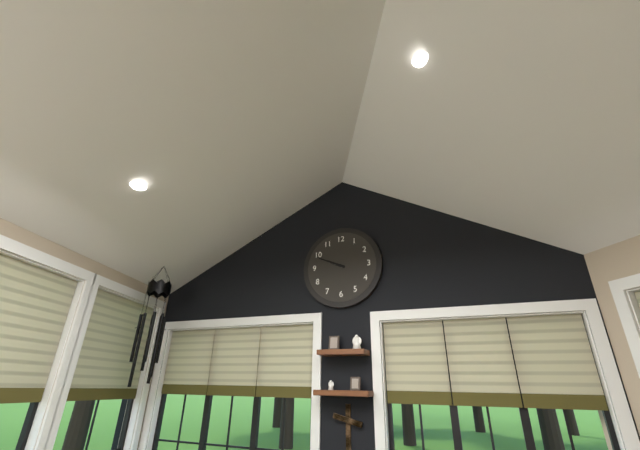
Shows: h=9 m=49
